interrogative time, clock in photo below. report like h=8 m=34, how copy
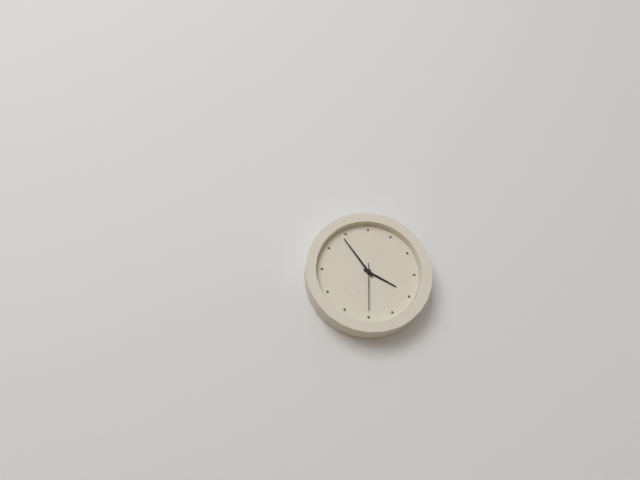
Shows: h=3 m=54
